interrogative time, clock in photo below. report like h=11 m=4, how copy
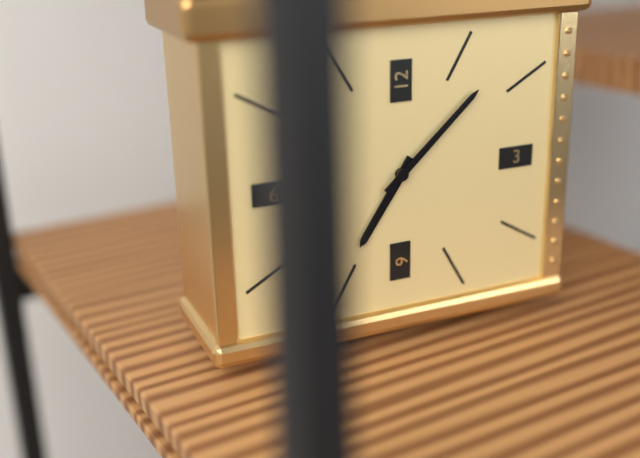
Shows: h=7 m=8
